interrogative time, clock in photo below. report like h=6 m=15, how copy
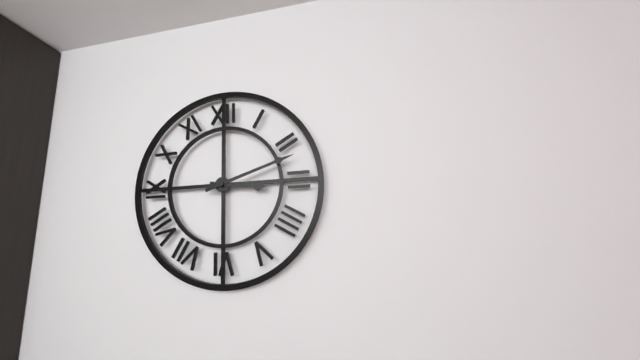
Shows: h=3 m=12
